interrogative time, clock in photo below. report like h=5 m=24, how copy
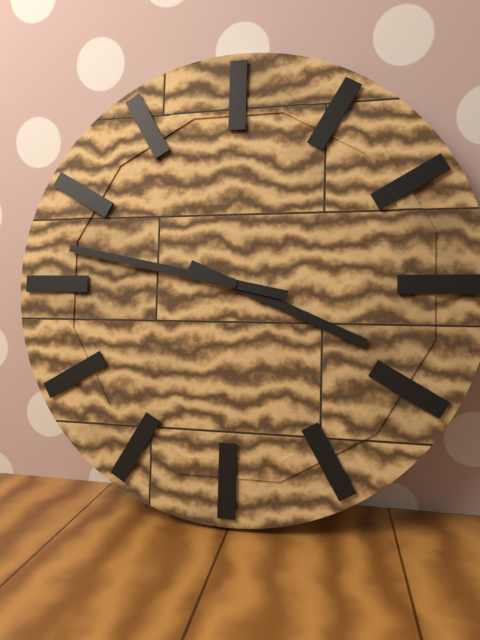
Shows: h=3 m=47
